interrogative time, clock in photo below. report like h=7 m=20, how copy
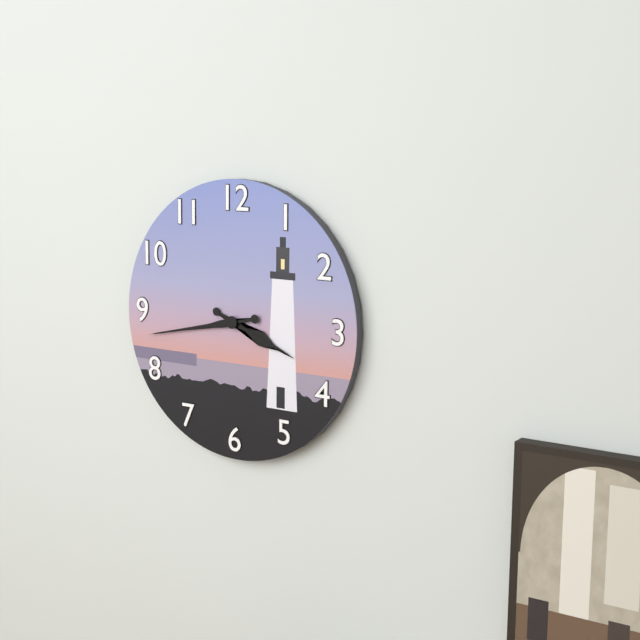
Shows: h=3 m=43
